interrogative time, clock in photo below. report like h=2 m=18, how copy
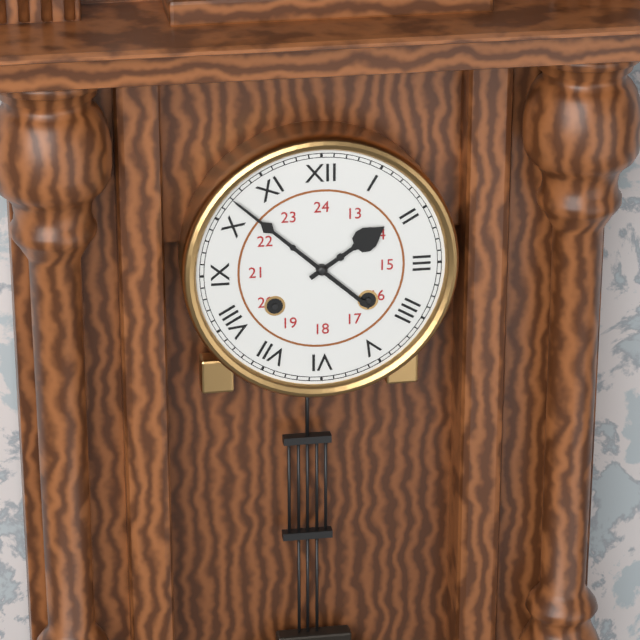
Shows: h=1 m=52
